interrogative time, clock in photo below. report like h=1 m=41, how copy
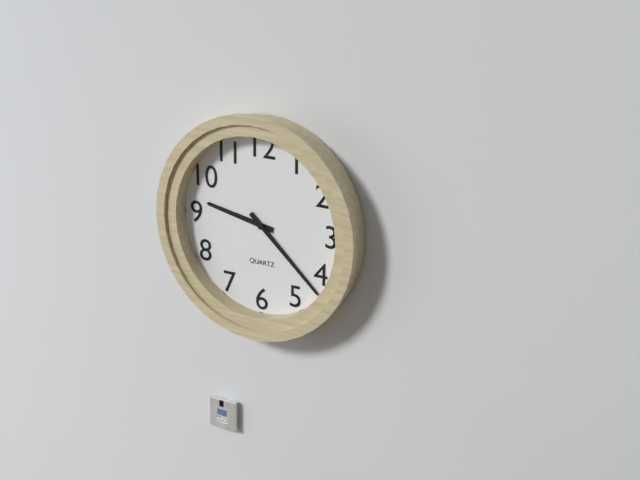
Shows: h=9 m=22
